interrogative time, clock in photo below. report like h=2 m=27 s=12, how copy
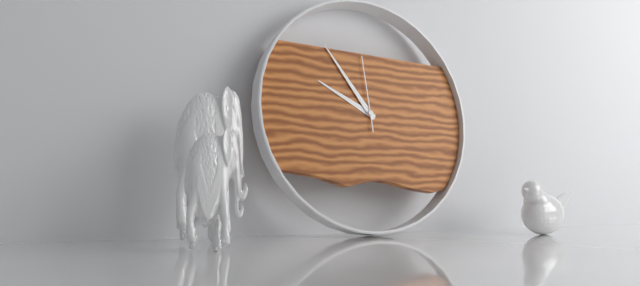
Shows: h=9 m=54 s=59
